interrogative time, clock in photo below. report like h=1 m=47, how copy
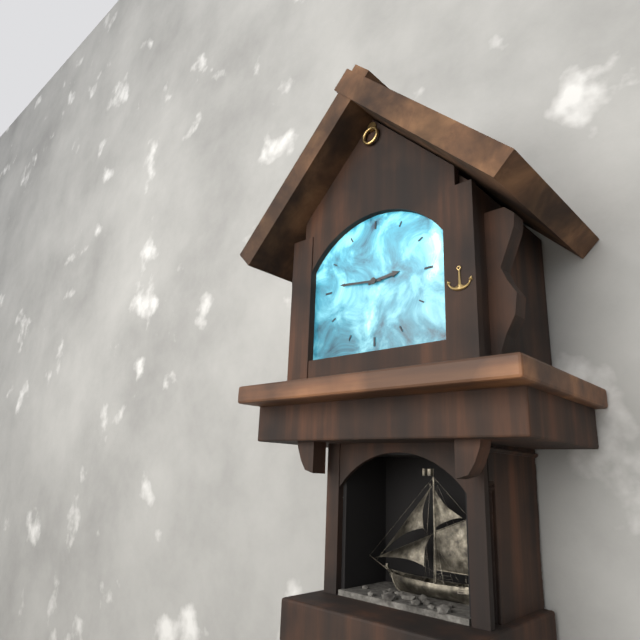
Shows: h=2 m=46
